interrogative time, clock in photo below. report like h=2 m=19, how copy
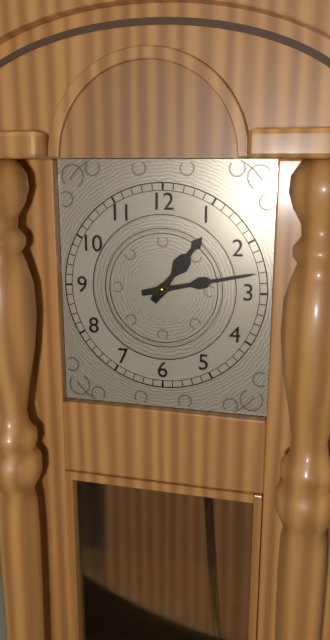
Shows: h=1 m=13
